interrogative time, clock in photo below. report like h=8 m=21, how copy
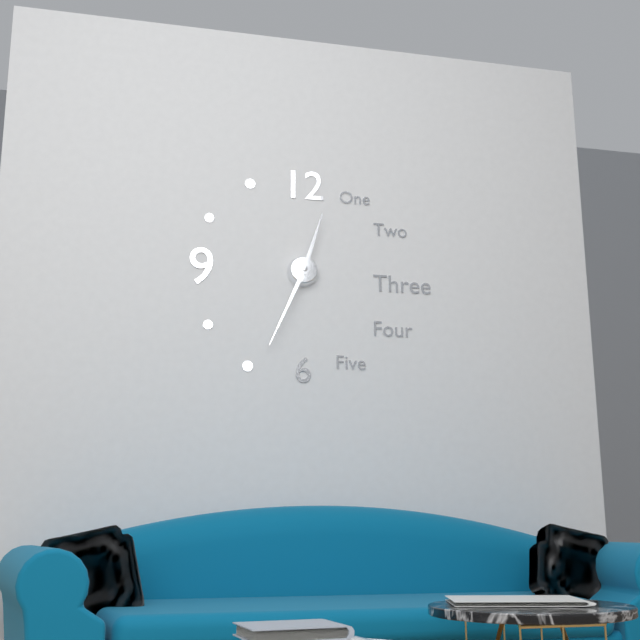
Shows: h=12 m=34
